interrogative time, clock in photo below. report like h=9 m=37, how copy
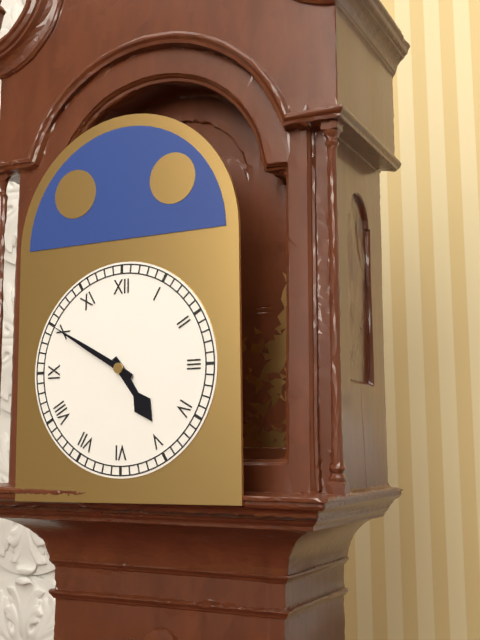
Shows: h=4 m=50
